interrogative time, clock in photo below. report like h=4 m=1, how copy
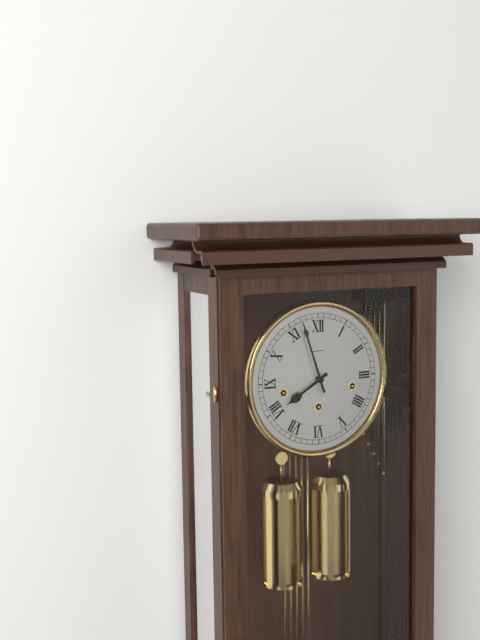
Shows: h=7 m=57
